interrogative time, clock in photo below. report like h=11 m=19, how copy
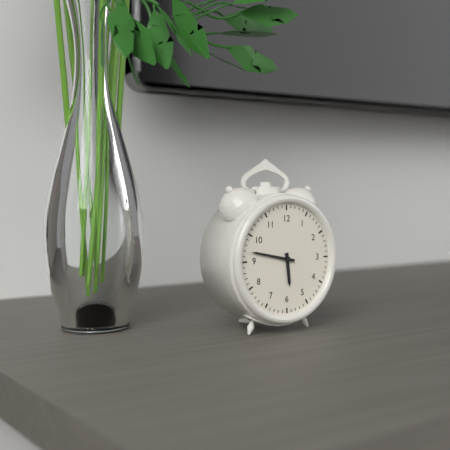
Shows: h=5 m=47
